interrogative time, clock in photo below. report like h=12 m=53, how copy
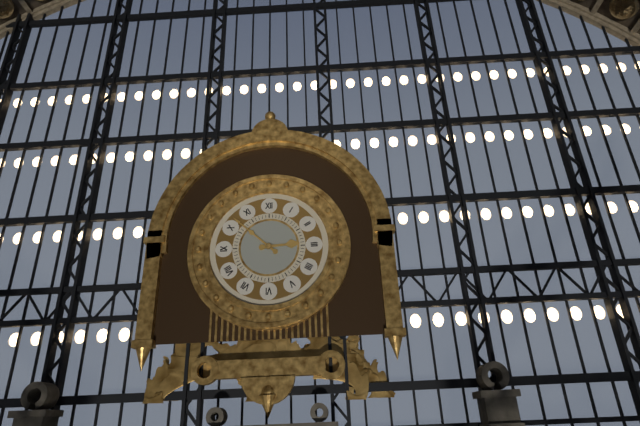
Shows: h=2 m=52
